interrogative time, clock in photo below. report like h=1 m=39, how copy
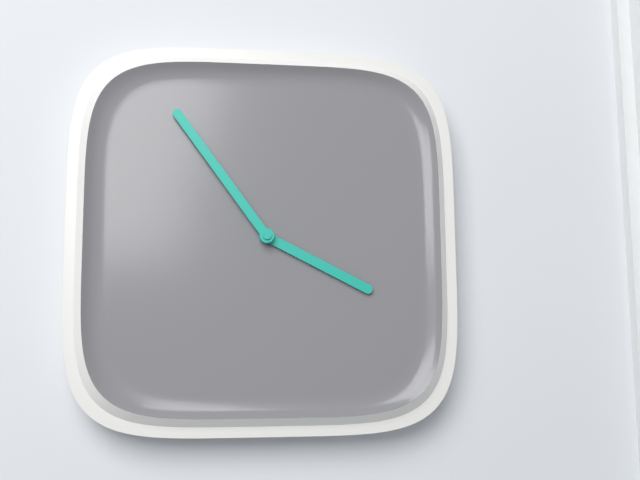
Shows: h=3 m=54
